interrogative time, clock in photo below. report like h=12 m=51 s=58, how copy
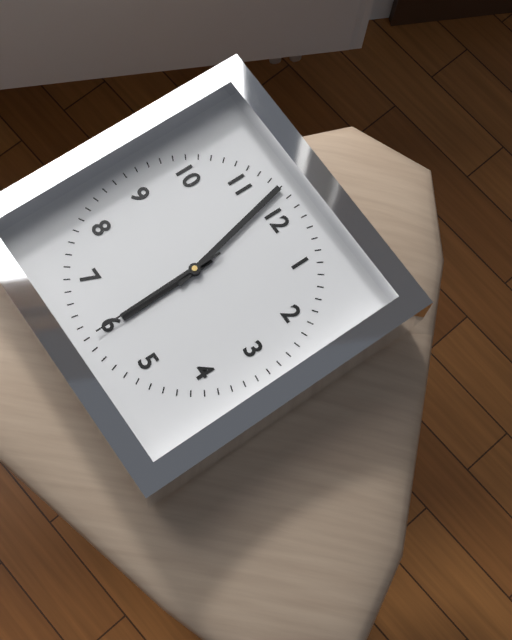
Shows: h=5 m=58 s=30
